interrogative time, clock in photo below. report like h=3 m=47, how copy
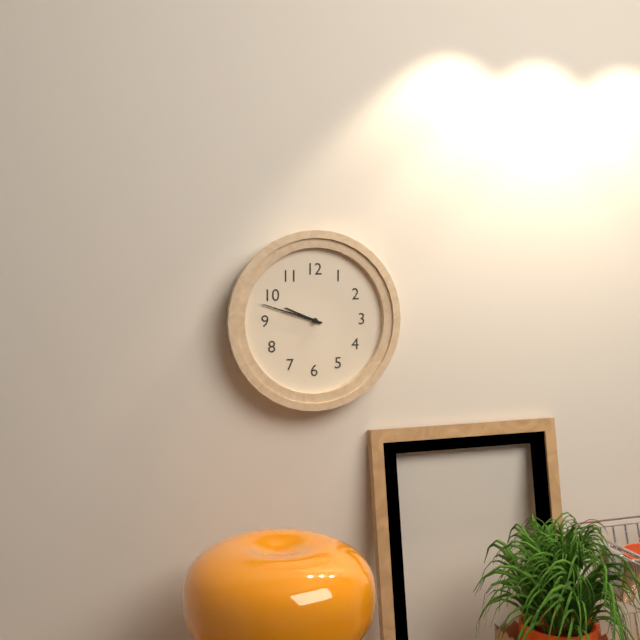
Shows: h=9 m=48
